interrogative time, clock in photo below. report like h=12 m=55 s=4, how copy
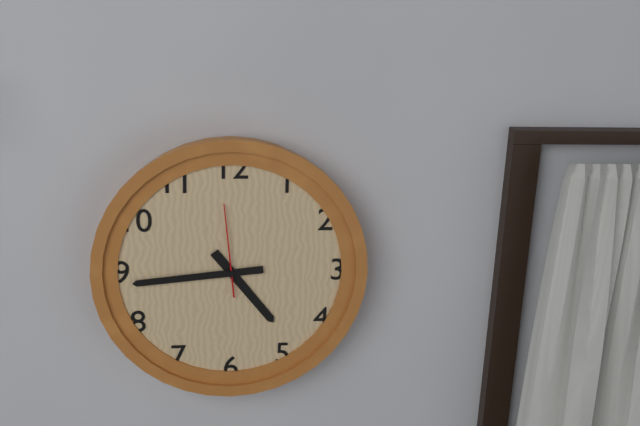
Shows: h=4 m=44 s=59
